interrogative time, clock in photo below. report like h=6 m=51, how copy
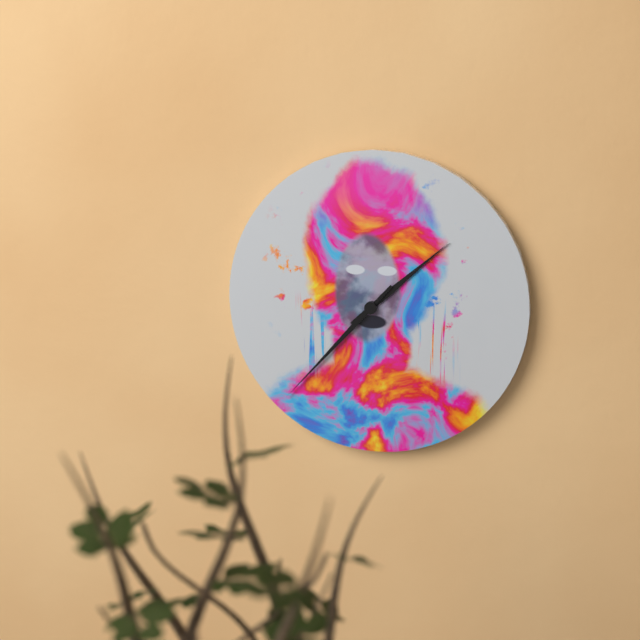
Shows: h=1 m=37
